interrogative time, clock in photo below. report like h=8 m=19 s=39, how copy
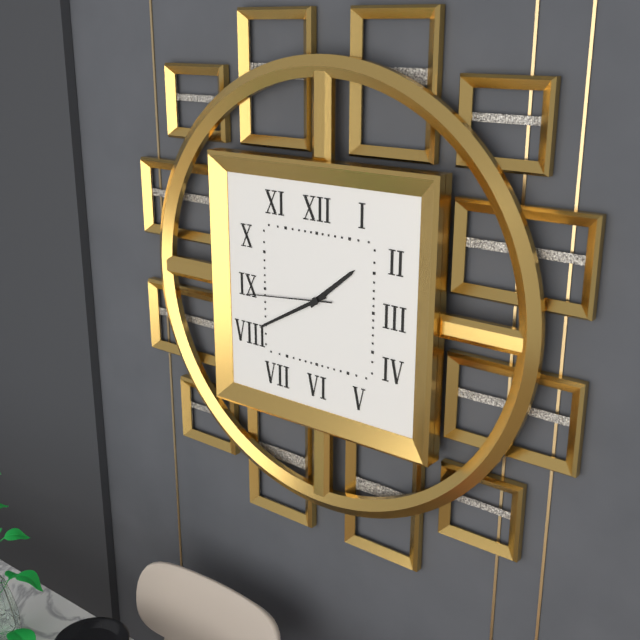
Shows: h=1 m=40 s=44
